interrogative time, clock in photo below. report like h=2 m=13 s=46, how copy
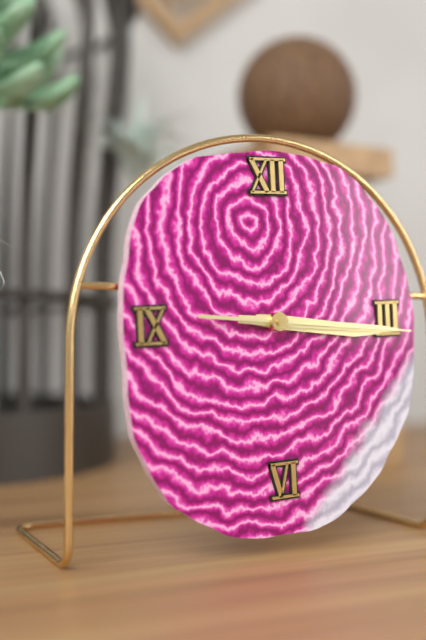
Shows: h=3 m=16 s=16
